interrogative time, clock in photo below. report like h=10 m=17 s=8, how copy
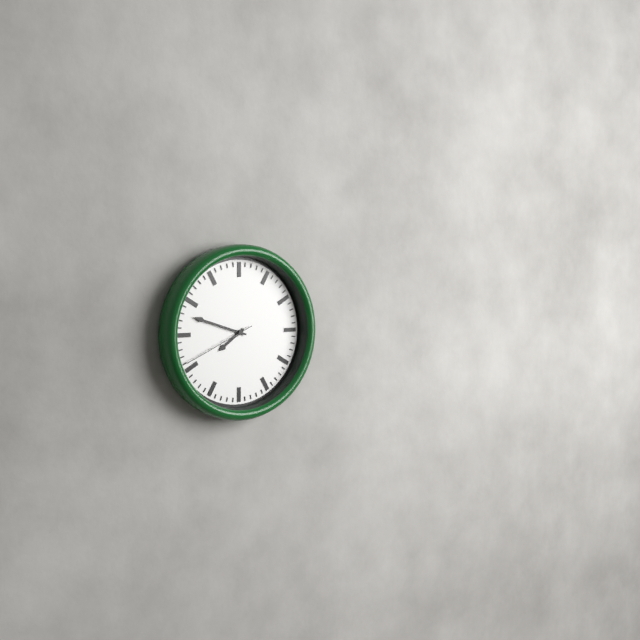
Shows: h=7 m=48 s=41
